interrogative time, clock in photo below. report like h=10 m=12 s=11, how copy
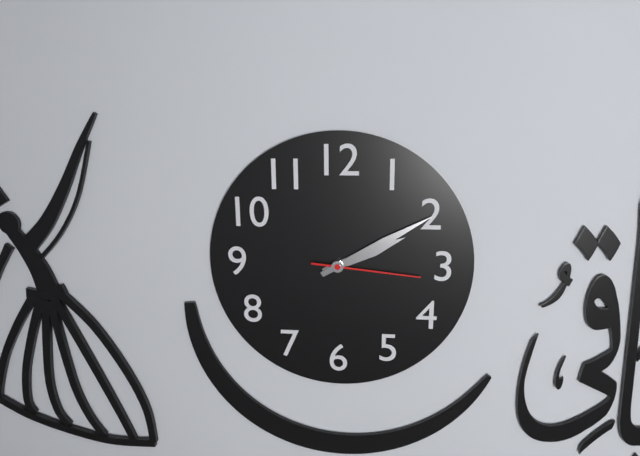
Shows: h=2 m=10 s=16
